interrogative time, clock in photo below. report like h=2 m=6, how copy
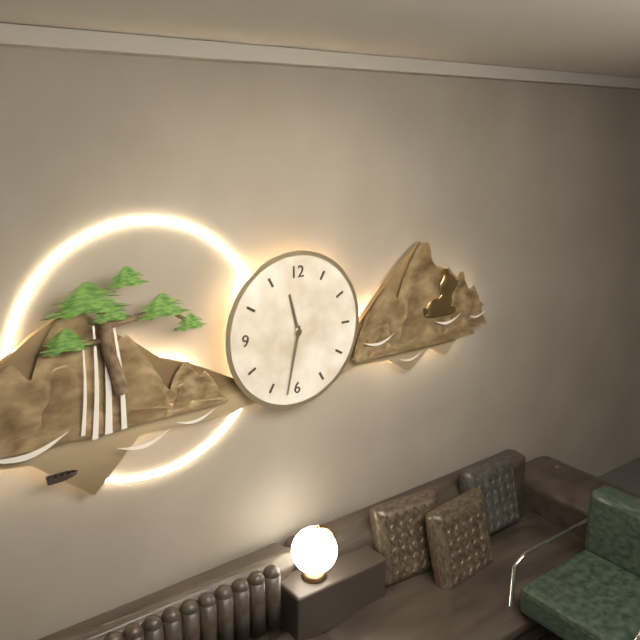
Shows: h=11 m=32
